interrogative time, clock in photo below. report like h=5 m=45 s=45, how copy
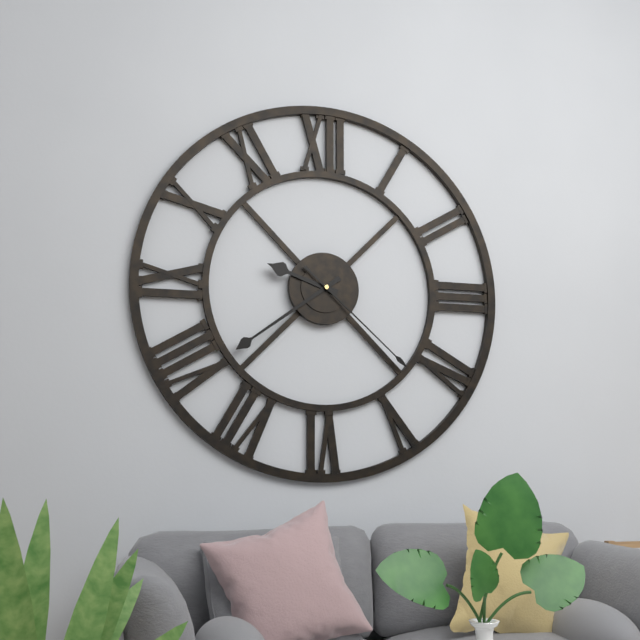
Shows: h=9 m=39 s=22
